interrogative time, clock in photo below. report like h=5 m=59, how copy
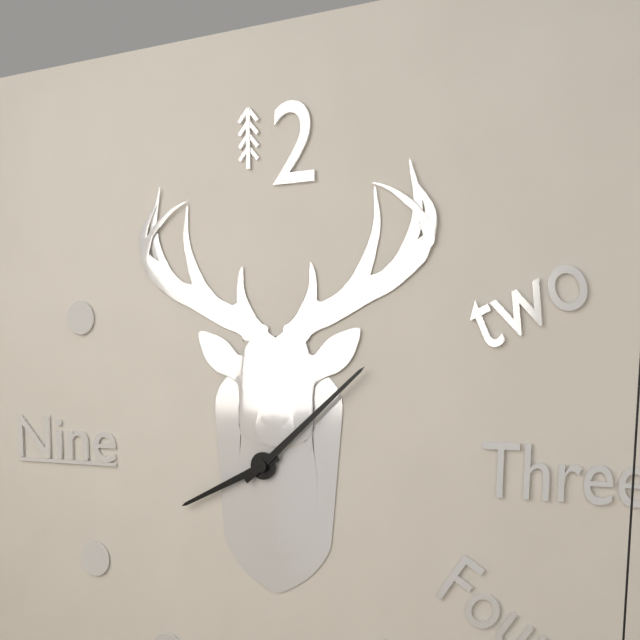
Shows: h=8 m=8
